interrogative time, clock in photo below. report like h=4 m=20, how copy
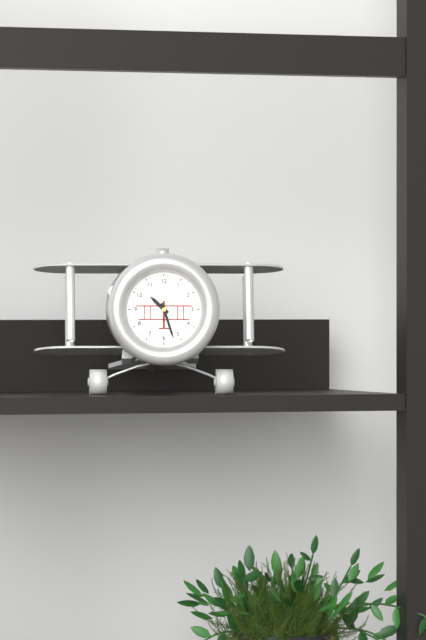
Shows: h=10 m=27
